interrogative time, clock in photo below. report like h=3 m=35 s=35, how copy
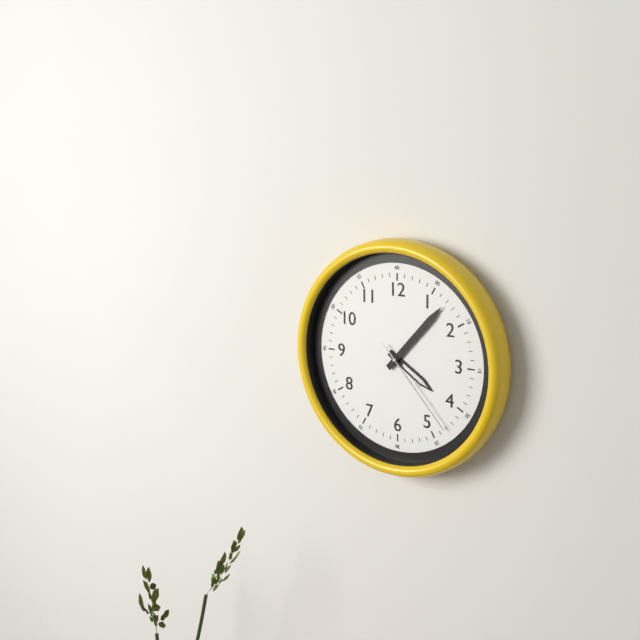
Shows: h=4 m=7 s=23
